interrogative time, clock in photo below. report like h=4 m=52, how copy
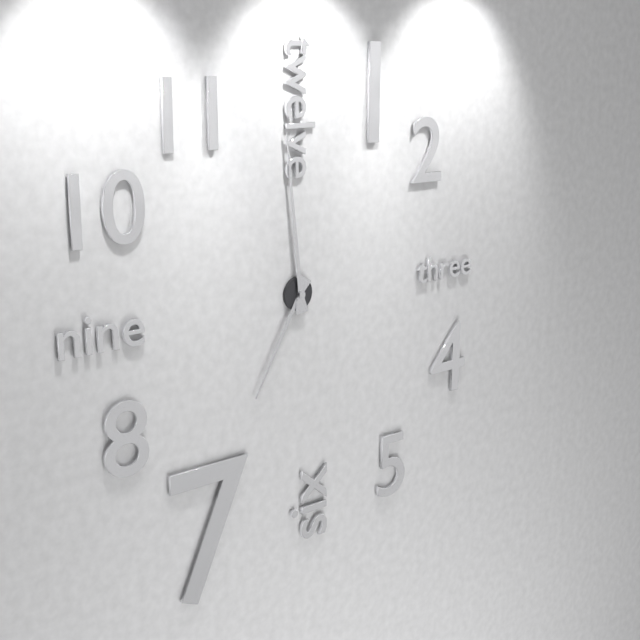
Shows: h=6 m=59
